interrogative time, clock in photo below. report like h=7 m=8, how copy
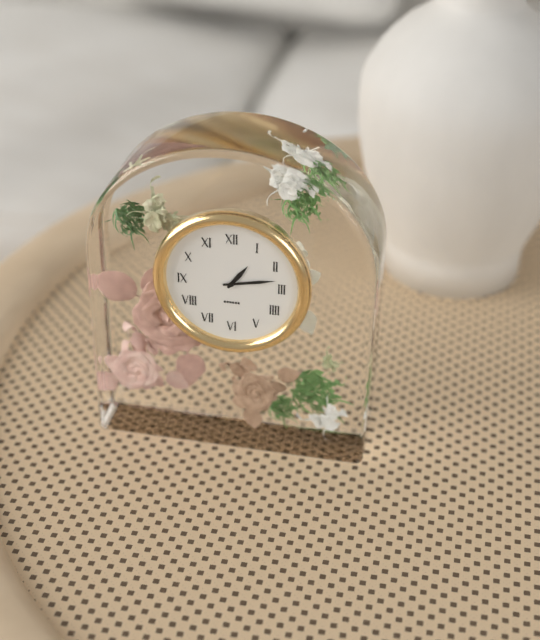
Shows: h=1 m=13
